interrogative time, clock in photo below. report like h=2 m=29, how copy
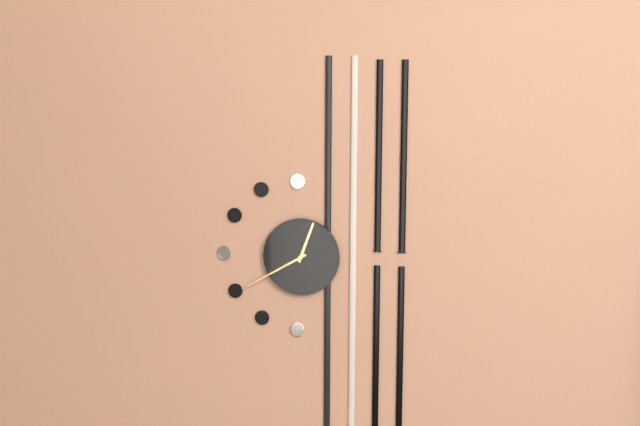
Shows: h=12 m=40
